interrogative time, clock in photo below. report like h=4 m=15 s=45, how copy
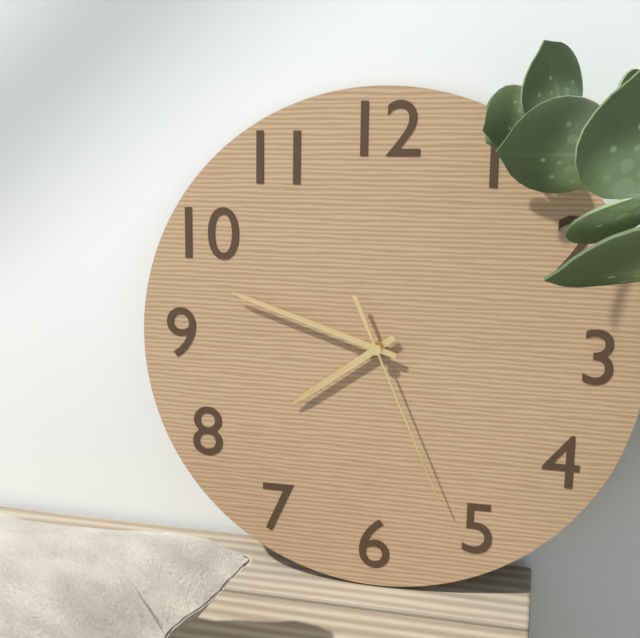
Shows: h=7 m=48 s=26
